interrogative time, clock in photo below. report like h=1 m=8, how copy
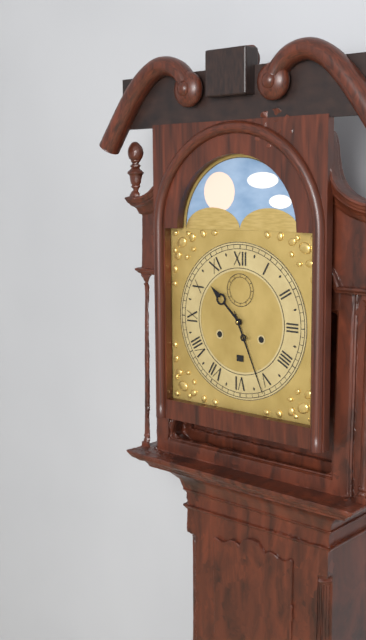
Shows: h=10 m=26
